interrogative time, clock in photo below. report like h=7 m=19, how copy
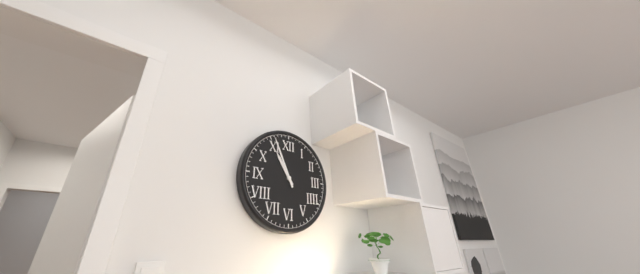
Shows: h=10 m=56
